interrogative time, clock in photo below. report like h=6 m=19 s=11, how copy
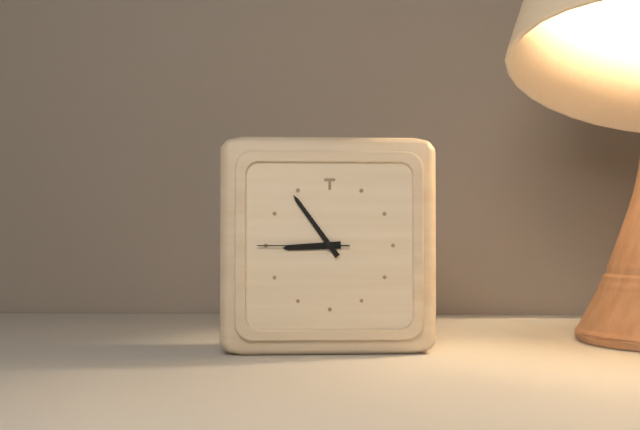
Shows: h=8 m=54 s=45
